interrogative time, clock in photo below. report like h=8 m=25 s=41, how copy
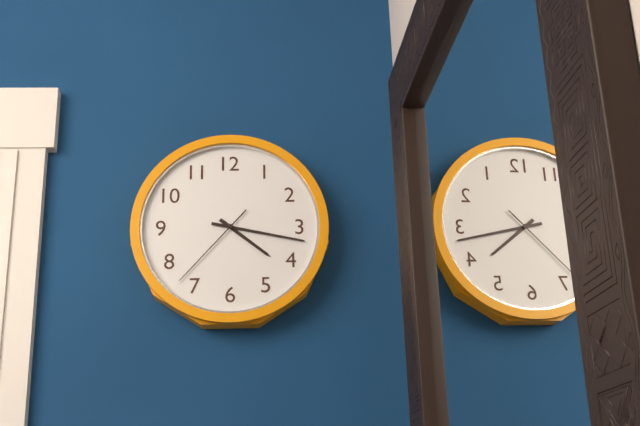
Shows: h=4 m=17 s=37
